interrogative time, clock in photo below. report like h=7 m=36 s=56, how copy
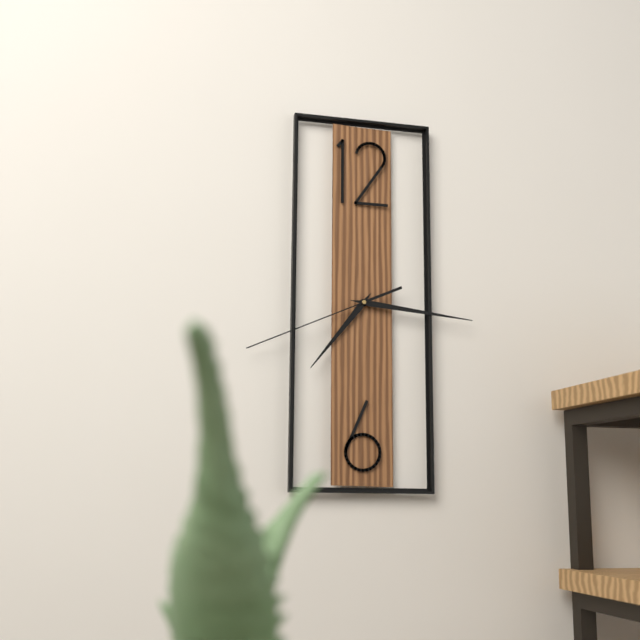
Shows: h=7 m=16 s=41
